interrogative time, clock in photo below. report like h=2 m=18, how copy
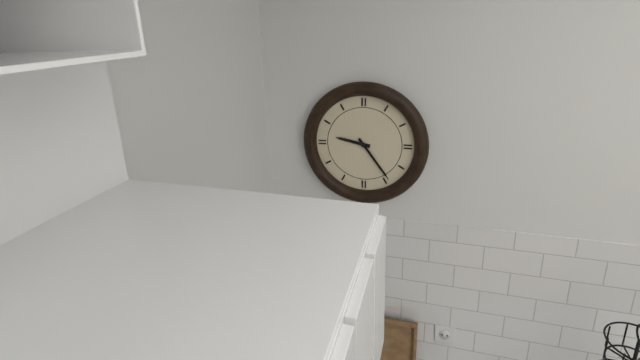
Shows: h=9 m=24
